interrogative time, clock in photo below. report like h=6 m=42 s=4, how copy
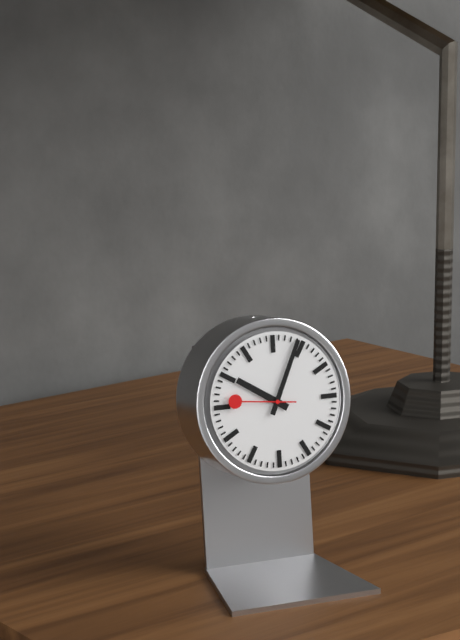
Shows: h=10 m=4 s=46
